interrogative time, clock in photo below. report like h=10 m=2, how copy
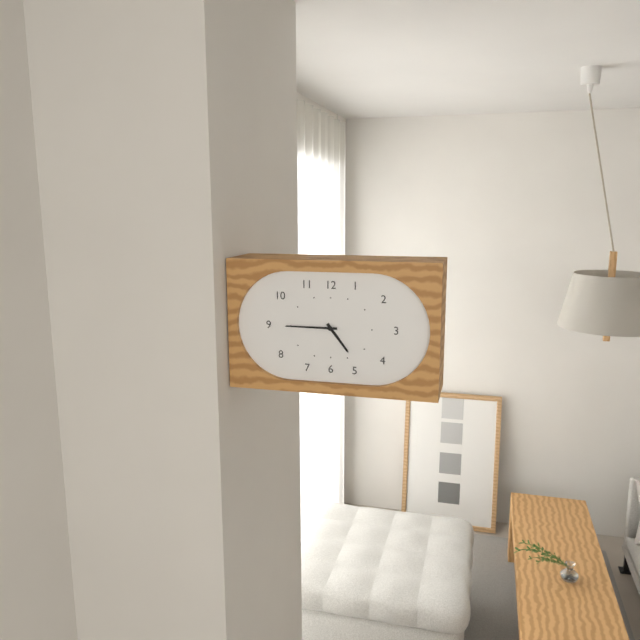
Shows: h=4 m=45
